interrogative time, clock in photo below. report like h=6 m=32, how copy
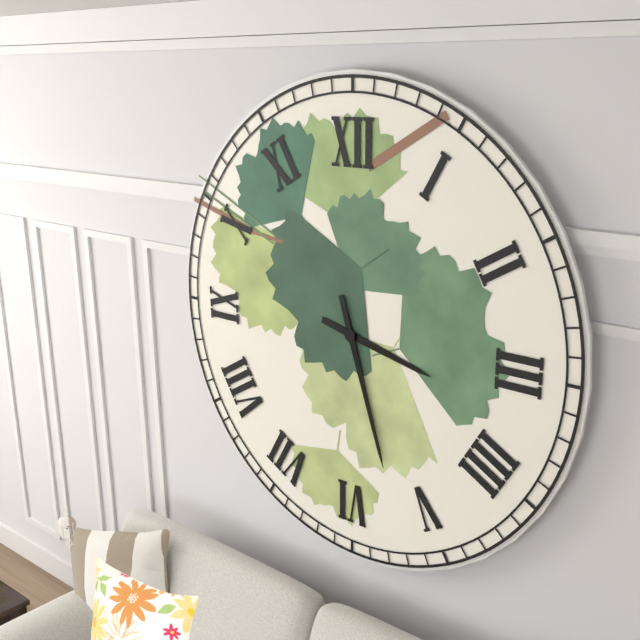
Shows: h=3 m=27
